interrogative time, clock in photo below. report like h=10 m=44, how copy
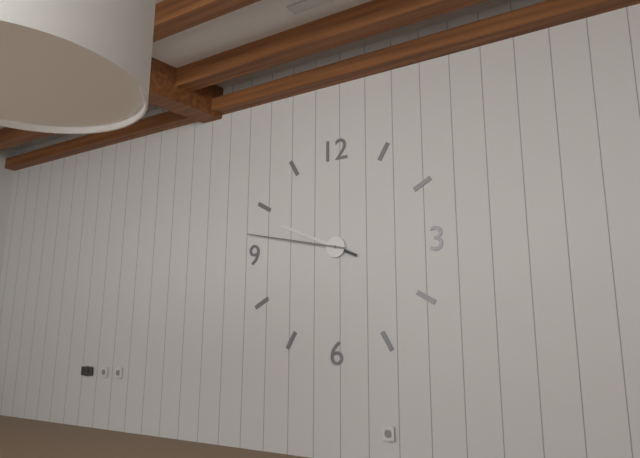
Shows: h=9 m=47
